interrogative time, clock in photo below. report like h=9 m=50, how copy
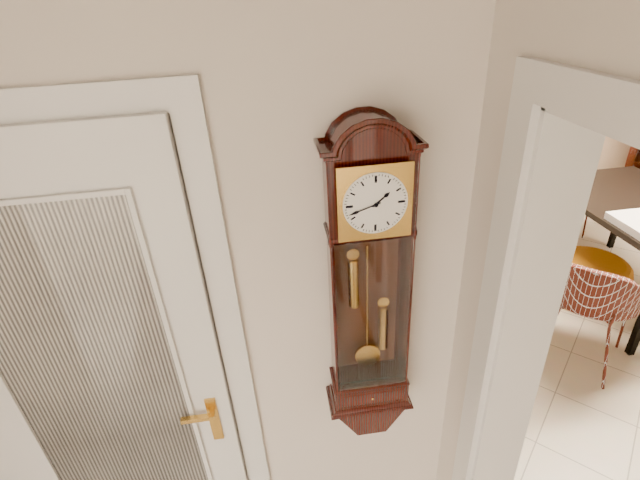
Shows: h=1 m=42
